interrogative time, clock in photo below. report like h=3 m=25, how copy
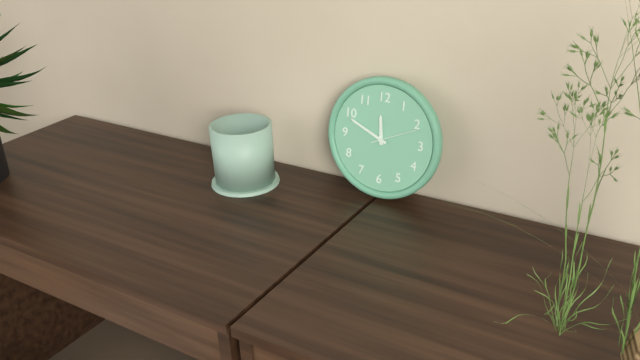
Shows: h=11 m=49
